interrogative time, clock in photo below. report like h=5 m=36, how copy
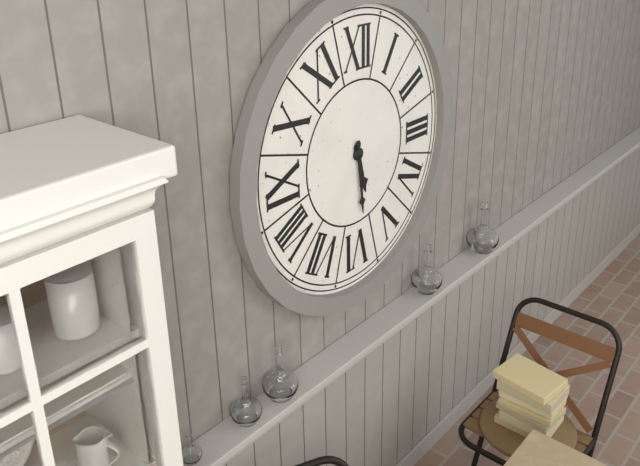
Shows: h=5 m=29
